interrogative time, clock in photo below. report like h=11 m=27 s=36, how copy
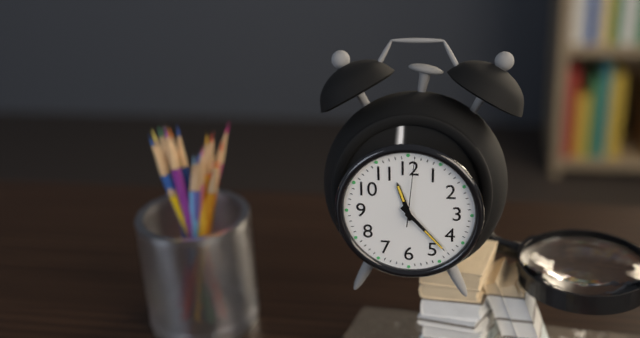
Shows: h=11 m=23 s=1
